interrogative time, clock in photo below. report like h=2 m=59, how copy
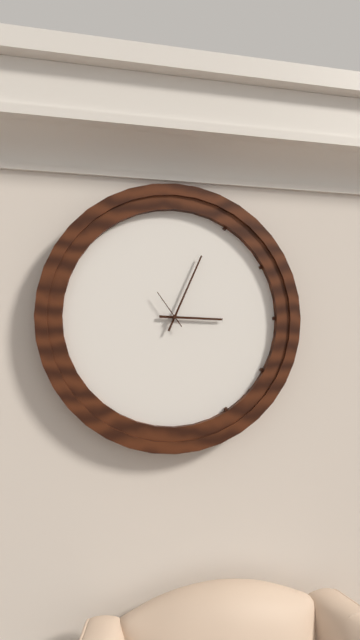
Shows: h=3 m=4
